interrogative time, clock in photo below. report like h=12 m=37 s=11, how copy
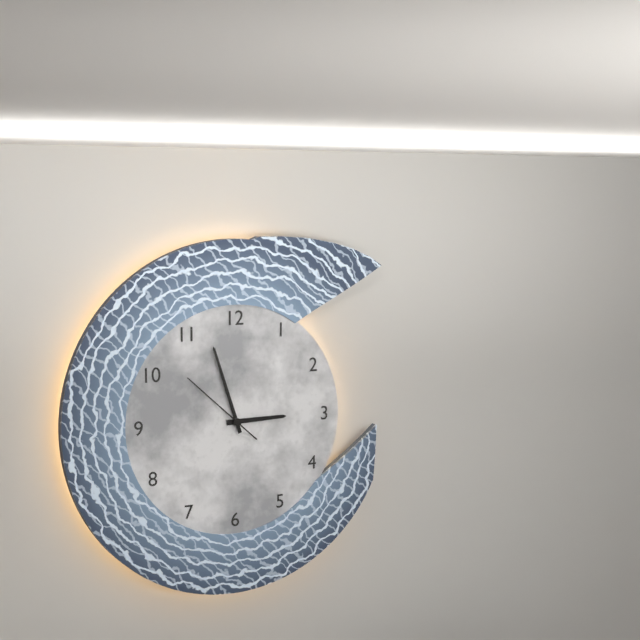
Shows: h=2 m=57 s=52
